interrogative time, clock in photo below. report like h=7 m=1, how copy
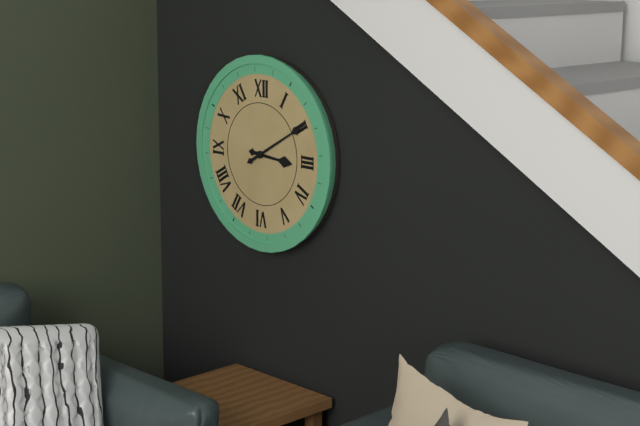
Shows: h=3 m=10
